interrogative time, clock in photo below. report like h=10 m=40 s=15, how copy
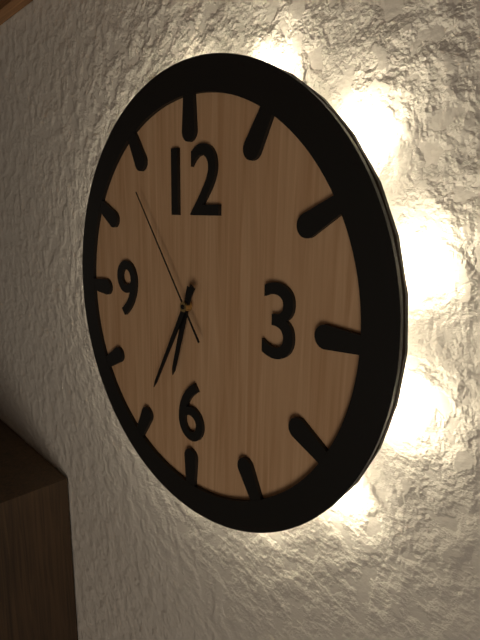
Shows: h=6 m=35 s=54
